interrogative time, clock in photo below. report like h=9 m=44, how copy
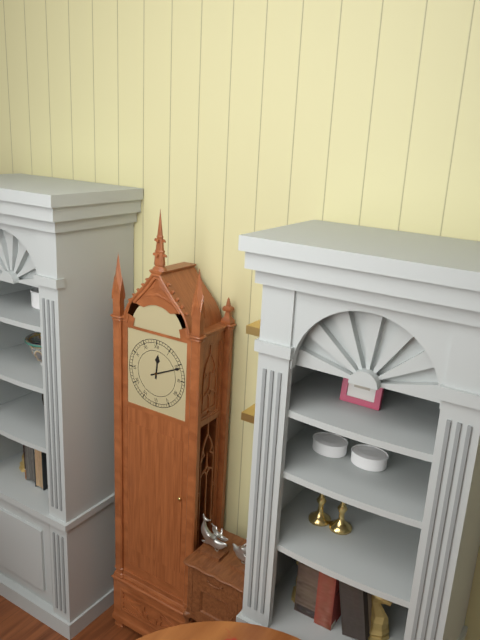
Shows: h=12 m=11
